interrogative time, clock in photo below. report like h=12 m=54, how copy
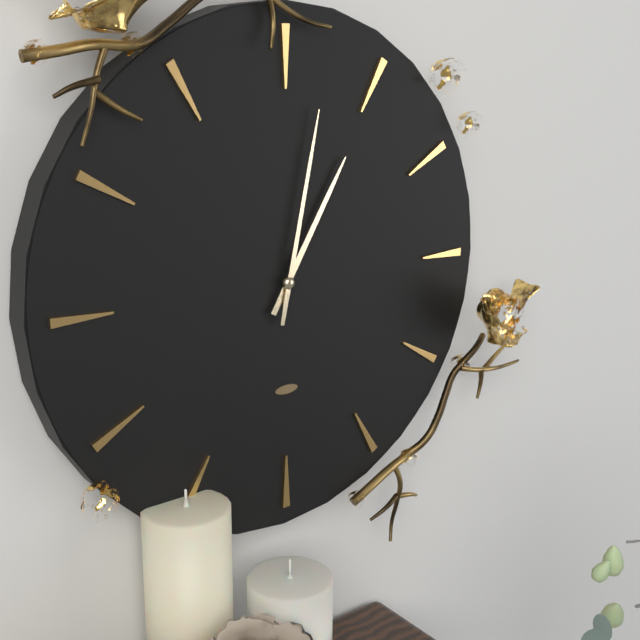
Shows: h=1 m=2
